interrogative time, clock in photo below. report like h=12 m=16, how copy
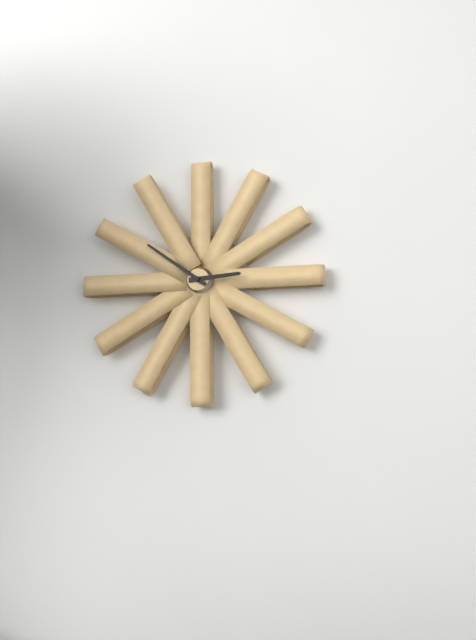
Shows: h=2 m=51
